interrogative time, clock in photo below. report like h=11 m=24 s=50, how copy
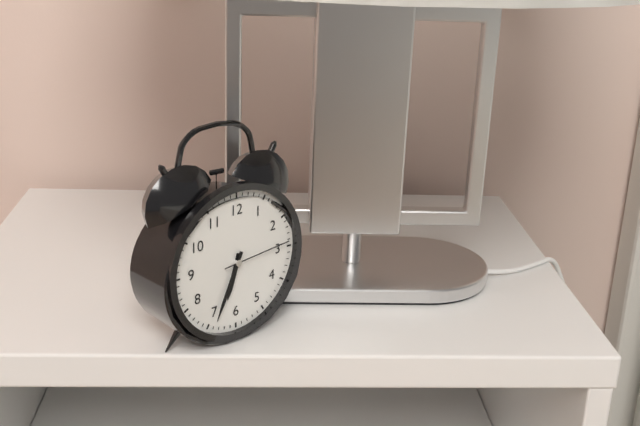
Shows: h=6 m=34 s=14
